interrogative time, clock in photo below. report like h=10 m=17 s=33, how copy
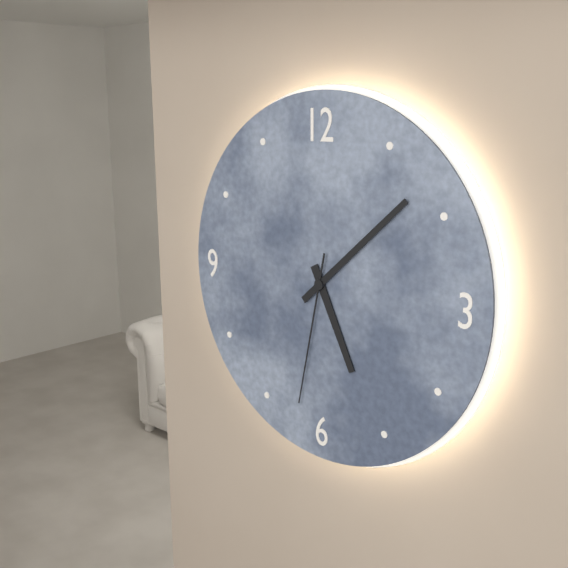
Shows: h=5 m=8 s=32
